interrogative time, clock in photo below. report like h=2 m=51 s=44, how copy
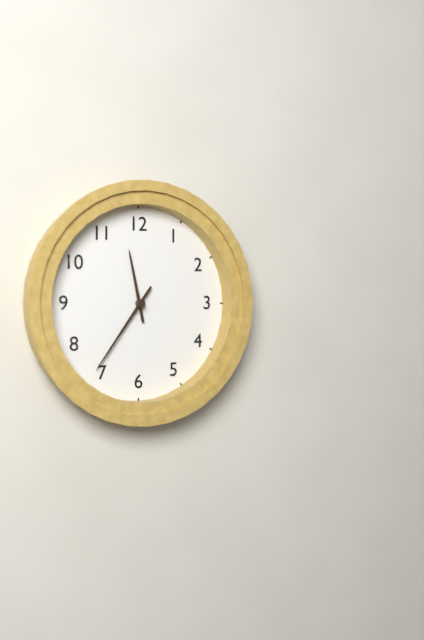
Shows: h=11 m=36 s=36
